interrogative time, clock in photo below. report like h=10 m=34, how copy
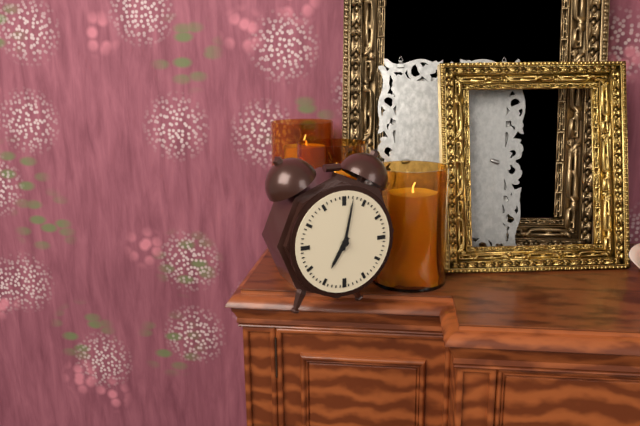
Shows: h=7 m=2
